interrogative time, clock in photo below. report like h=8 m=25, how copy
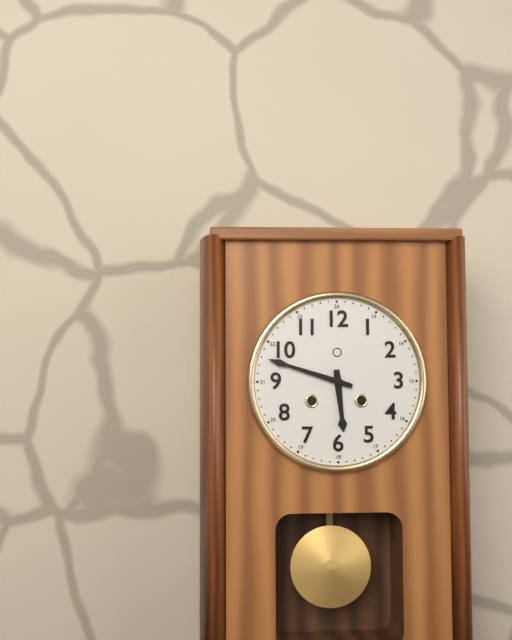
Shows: h=5 m=48
